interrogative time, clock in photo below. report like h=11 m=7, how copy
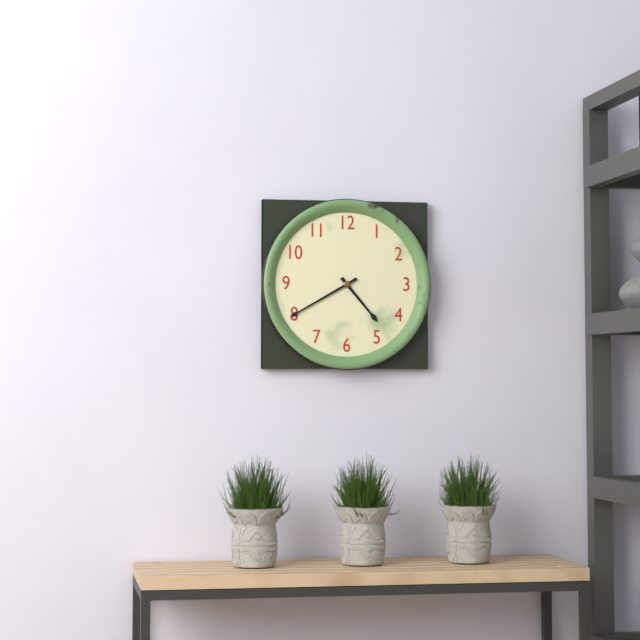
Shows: h=4 m=40
